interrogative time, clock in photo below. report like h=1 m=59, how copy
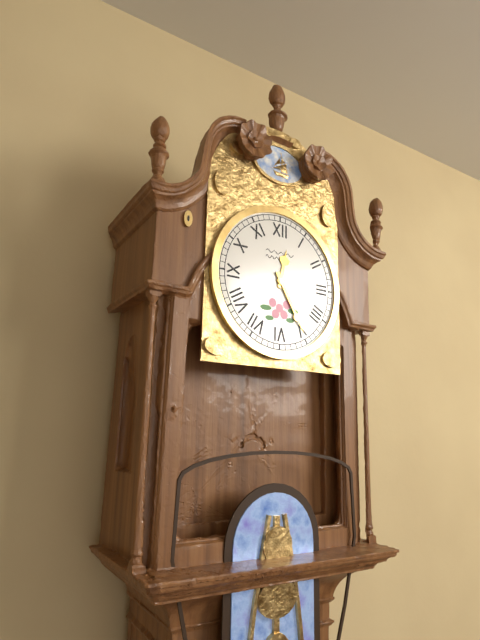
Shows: h=12 m=25
